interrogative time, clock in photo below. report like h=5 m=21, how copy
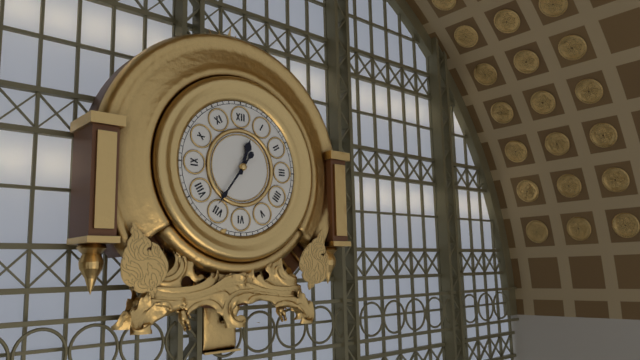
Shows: h=12 m=36
